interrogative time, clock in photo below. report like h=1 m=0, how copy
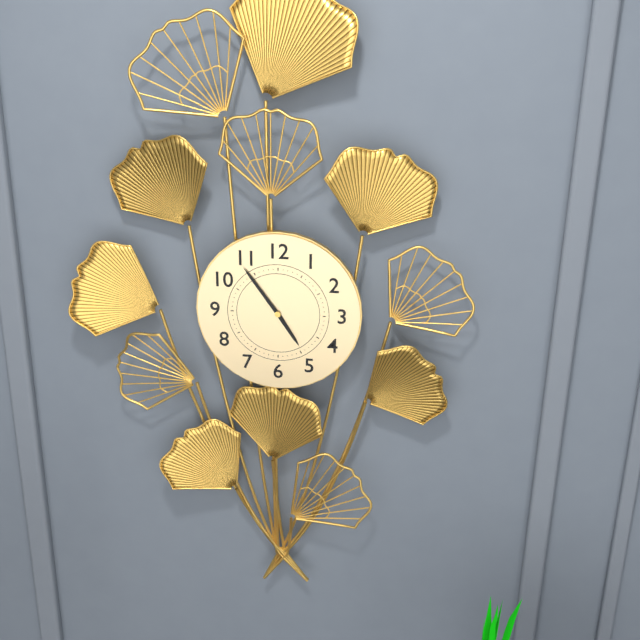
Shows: h=4 m=54
